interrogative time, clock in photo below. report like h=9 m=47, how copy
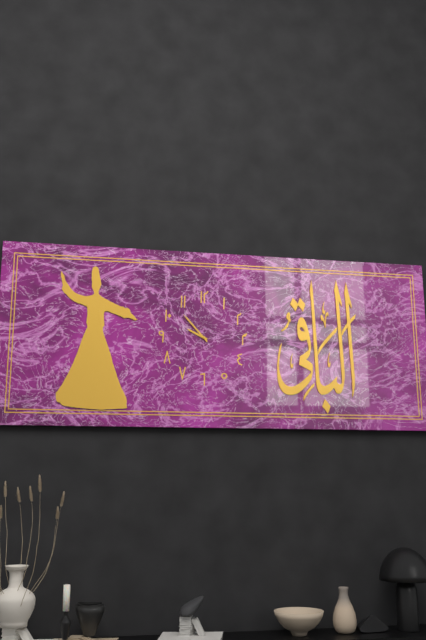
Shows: h=9 m=53
